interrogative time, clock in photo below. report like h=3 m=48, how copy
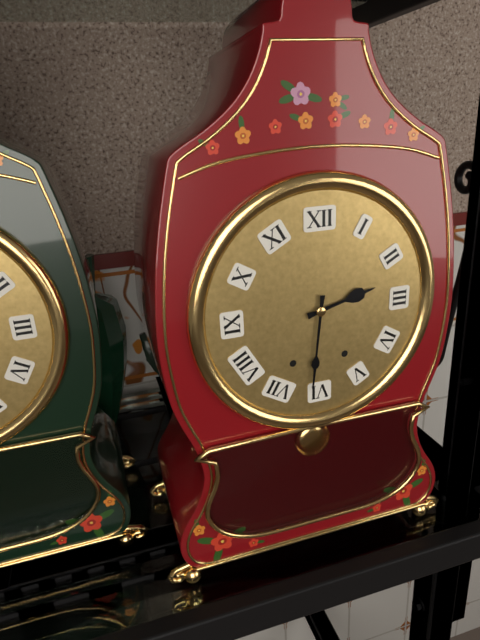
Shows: h=2 m=31
